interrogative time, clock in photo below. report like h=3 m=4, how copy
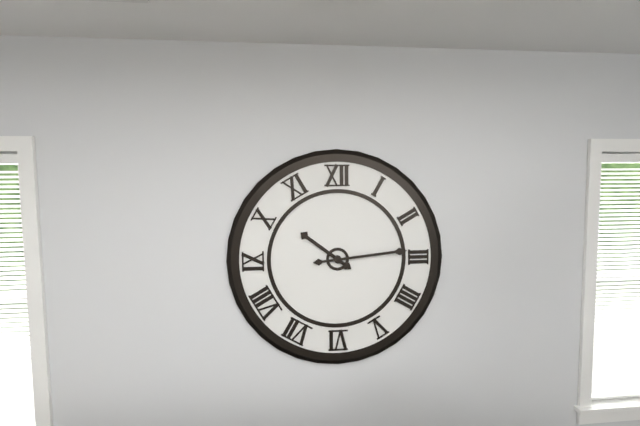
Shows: h=10 m=14
